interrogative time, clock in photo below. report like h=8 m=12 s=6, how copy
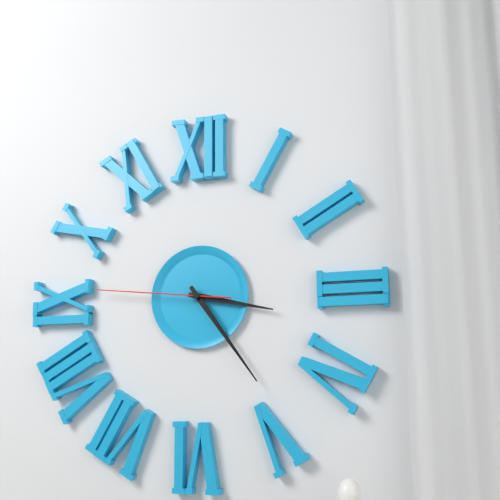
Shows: h=3 m=24 s=46
